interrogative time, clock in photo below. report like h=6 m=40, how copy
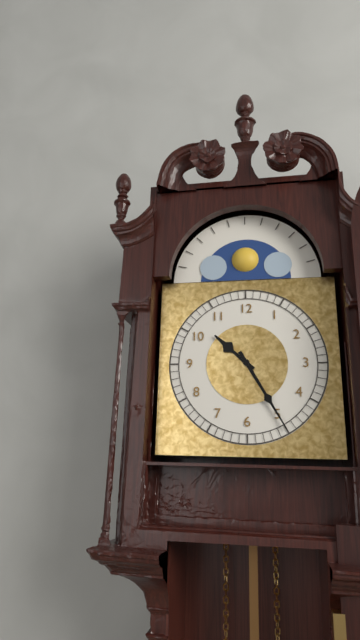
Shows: h=10 m=25
